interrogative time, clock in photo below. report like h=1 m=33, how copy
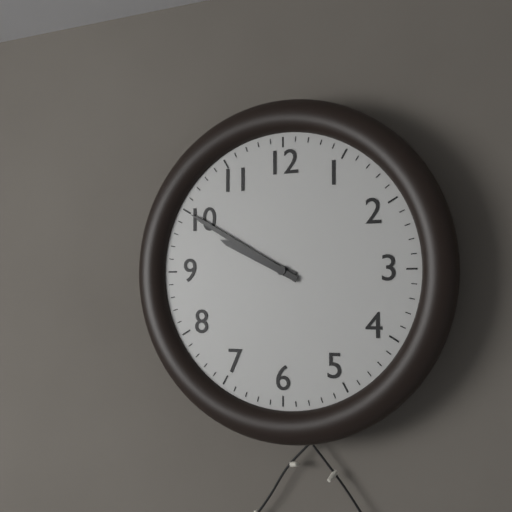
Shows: h=9 m=50
